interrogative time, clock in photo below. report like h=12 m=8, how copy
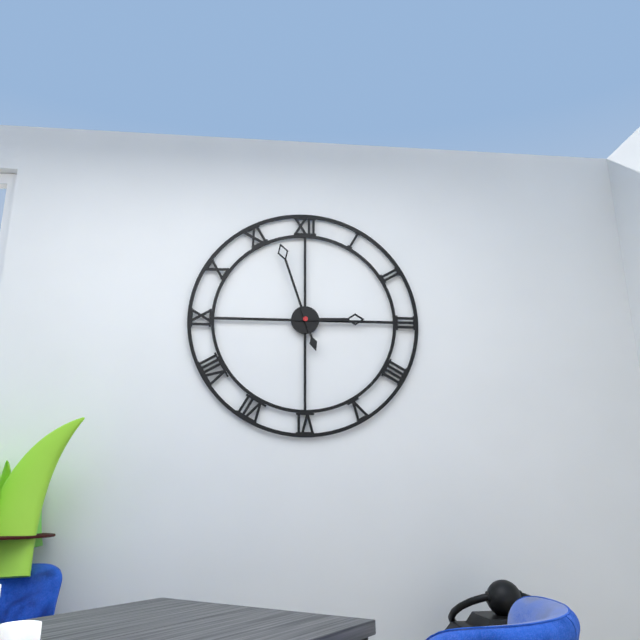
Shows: h=2 m=57
